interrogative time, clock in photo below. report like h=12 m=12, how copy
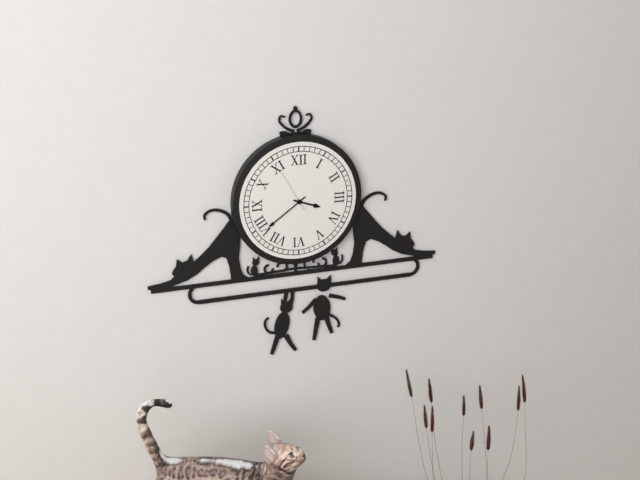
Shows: h=3 m=39
